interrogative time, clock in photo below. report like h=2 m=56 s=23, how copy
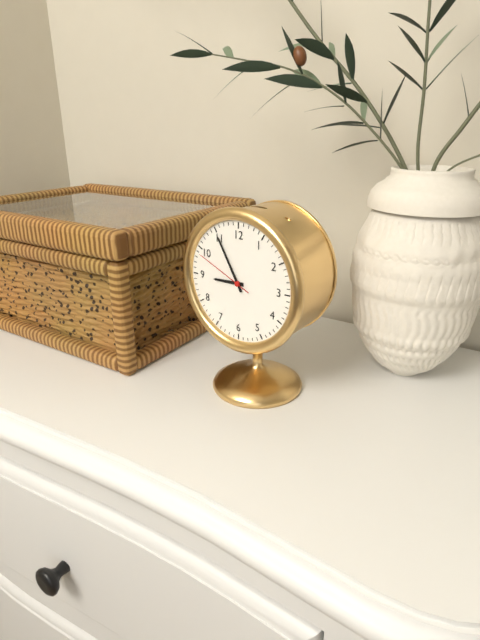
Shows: h=8 m=55 s=49
